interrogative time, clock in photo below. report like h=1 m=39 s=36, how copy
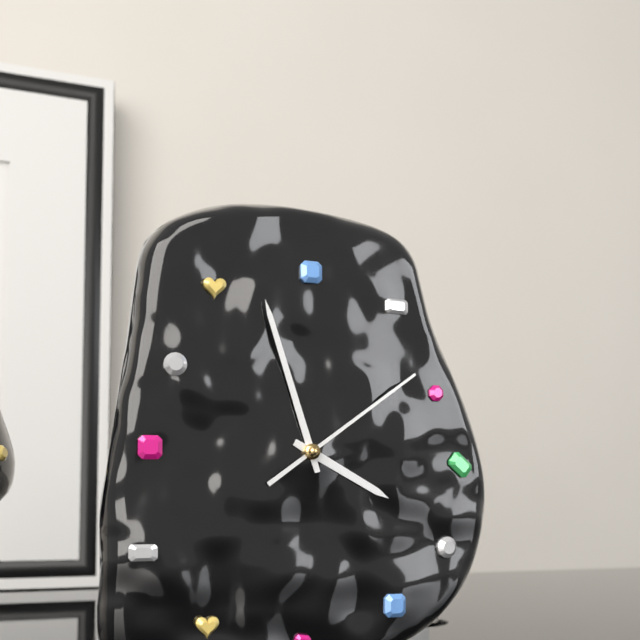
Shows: h=3 m=57 s=9
